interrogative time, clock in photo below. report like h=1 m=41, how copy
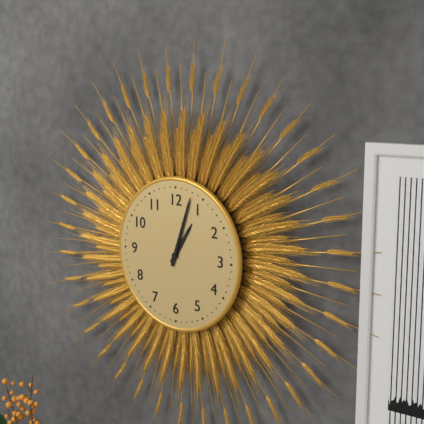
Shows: h=1 m=3
